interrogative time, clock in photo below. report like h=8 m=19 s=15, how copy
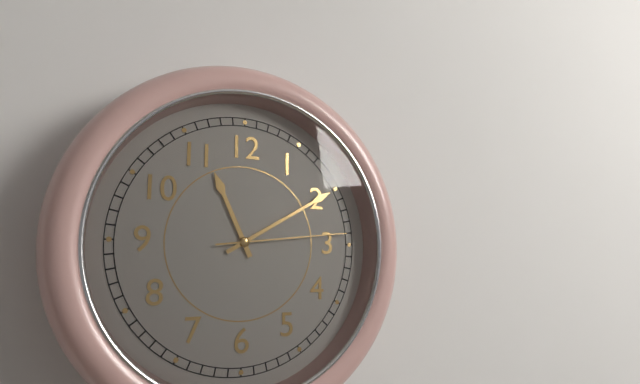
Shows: h=11 m=10 s=14
